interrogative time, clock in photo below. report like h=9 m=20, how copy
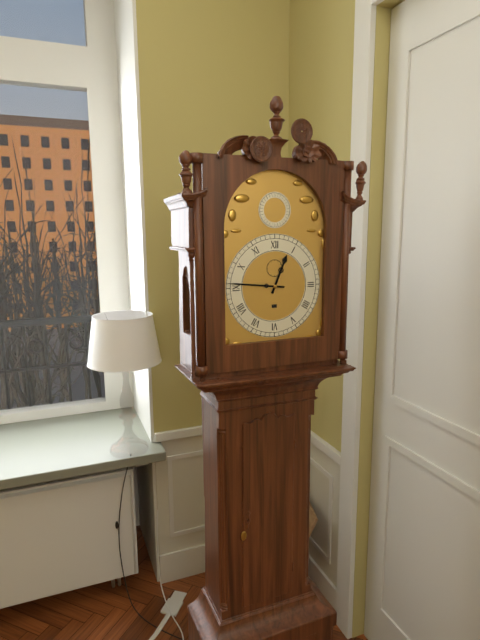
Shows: h=12 m=46
